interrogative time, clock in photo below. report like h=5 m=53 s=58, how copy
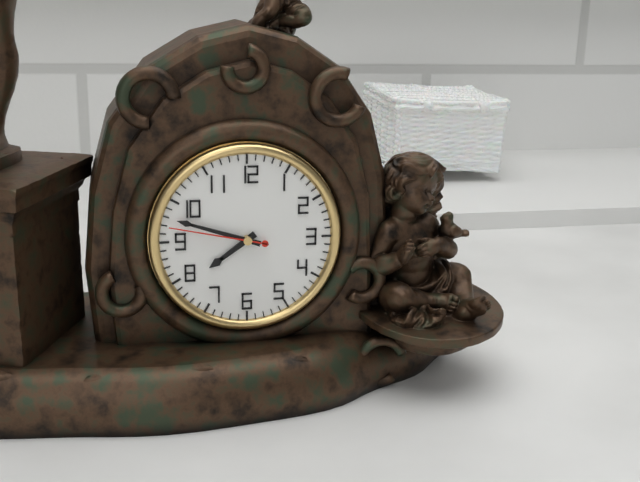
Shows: h=7 m=48 s=47
